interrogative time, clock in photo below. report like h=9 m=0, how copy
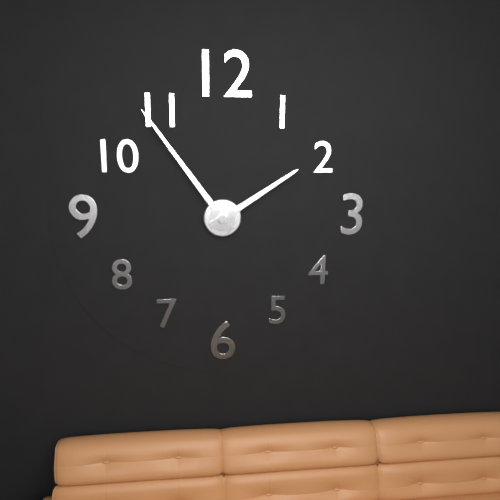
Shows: h=1 m=54
